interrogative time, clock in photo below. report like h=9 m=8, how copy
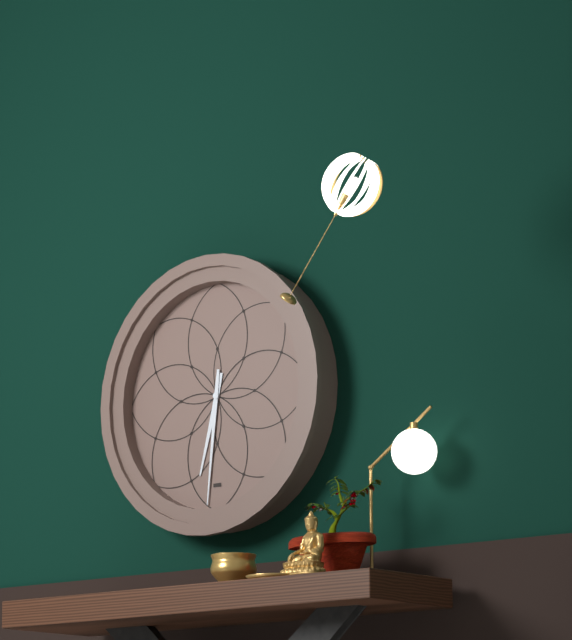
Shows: h=6 m=31
